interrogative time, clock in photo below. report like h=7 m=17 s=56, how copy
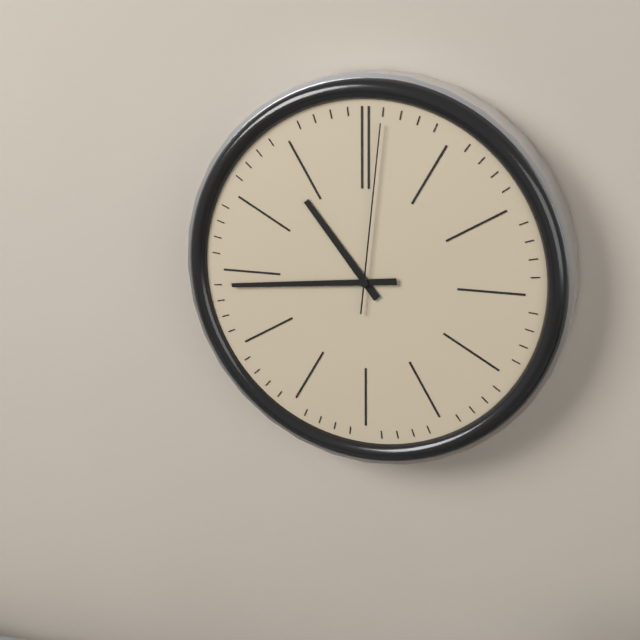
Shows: h=10 m=44 s=1
